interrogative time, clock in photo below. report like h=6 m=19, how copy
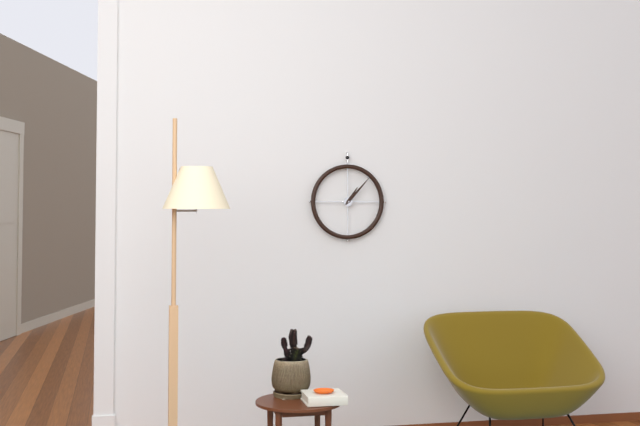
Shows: h=1 m=7
